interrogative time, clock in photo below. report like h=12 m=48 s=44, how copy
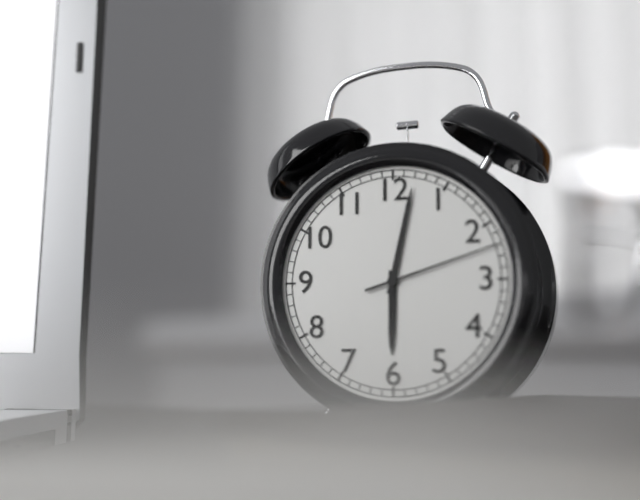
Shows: h=6 m=2 s=12
